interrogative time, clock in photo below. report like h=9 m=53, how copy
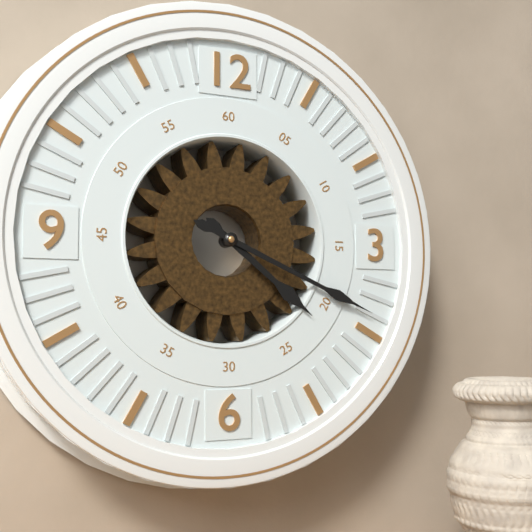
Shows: h=4 m=19
